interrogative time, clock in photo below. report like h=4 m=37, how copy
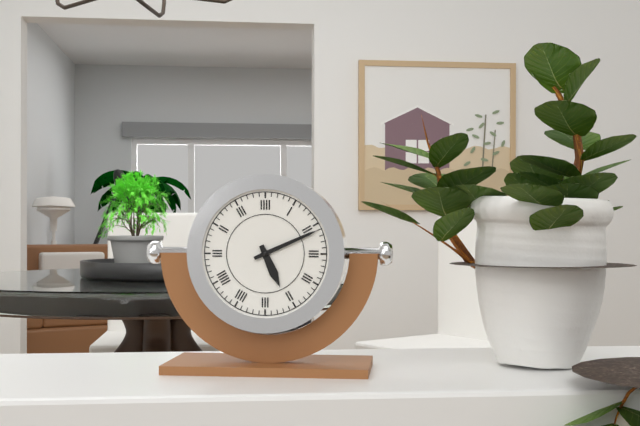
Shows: h=5 m=11
